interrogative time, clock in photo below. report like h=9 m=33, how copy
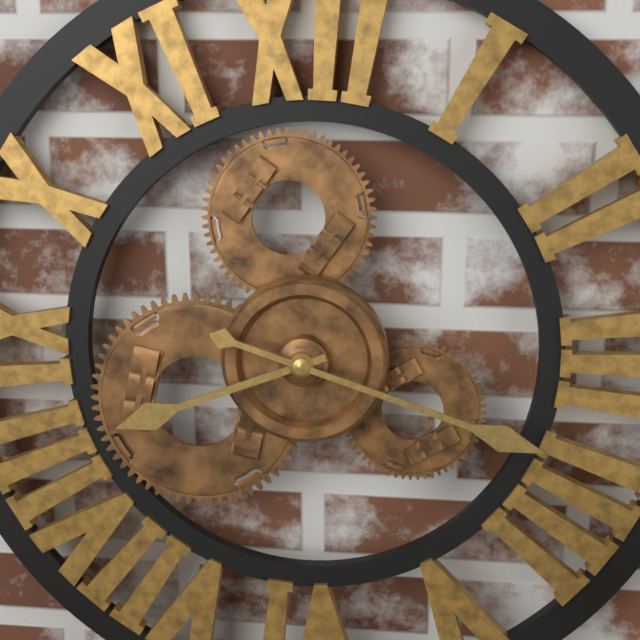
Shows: h=8 m=18
